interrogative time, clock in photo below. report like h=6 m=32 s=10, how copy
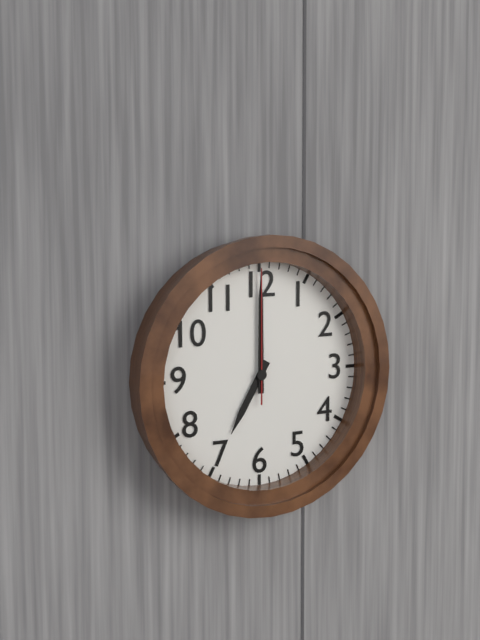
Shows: h=7 m=0 s=0
